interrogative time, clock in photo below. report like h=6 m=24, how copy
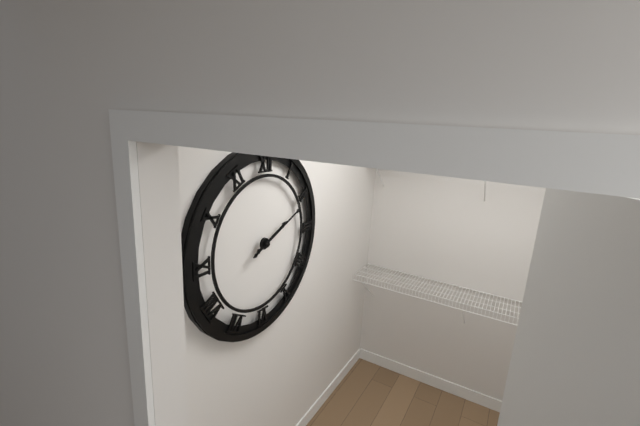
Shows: h=2 m=11
